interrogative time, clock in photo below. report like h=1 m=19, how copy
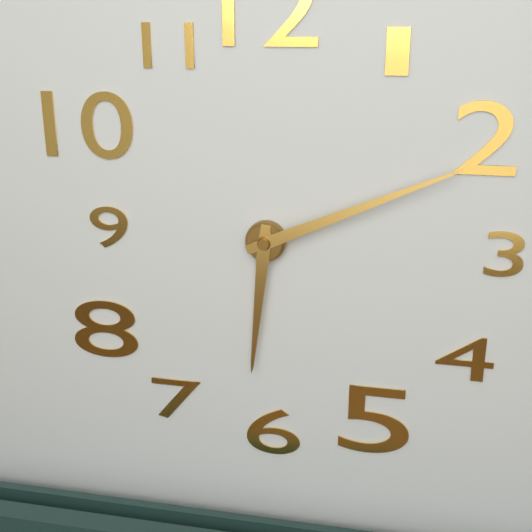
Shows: h=6 m=11
